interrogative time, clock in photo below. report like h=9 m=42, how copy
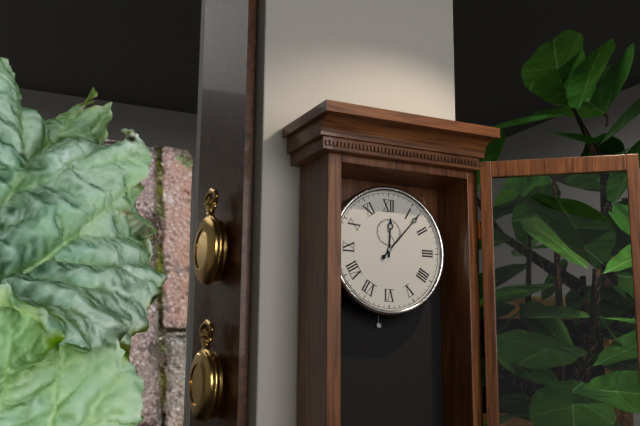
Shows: h=12 m=7
